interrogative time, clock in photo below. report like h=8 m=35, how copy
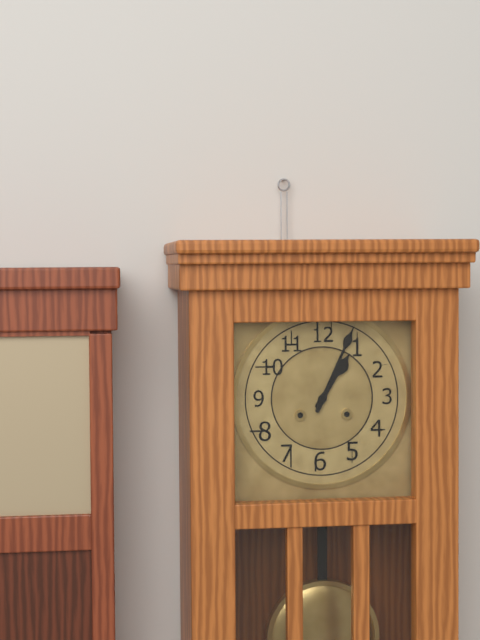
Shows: h=1 m=4
